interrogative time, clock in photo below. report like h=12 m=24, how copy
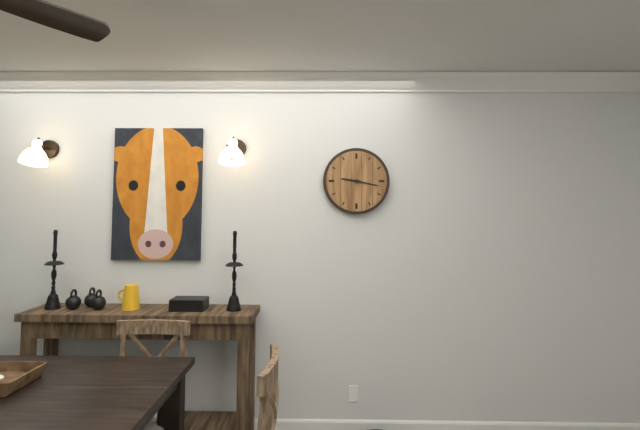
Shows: h=9 m=17
